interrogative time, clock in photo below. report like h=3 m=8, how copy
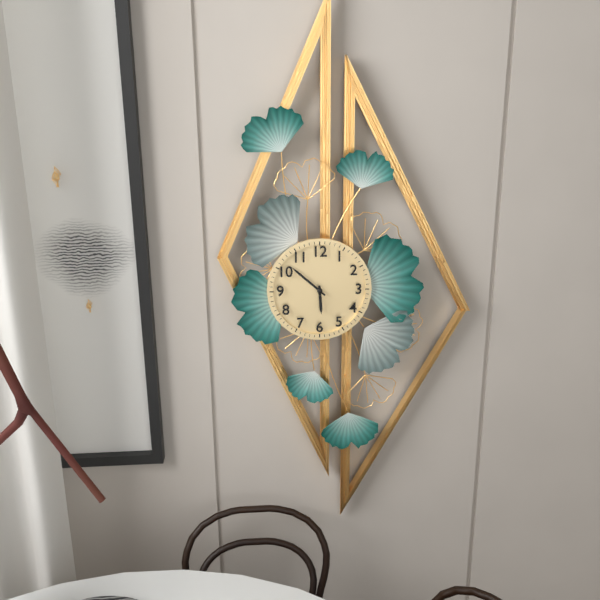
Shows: h=5 m=52
